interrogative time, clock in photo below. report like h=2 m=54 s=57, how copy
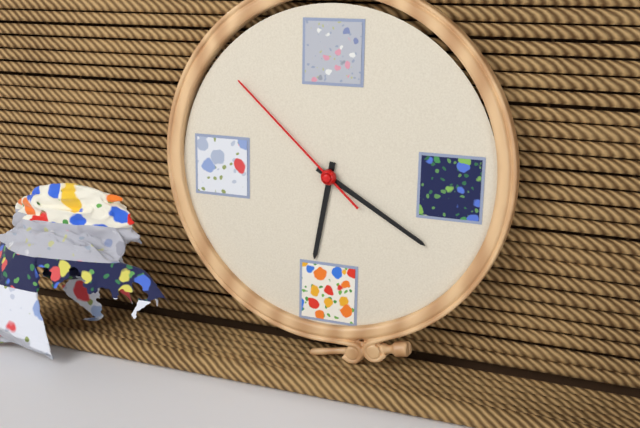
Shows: h=6 m=20 s=52
